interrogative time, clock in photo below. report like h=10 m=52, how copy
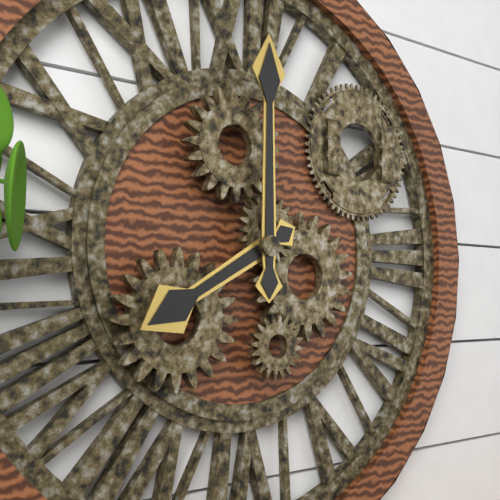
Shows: h=8 m=0
